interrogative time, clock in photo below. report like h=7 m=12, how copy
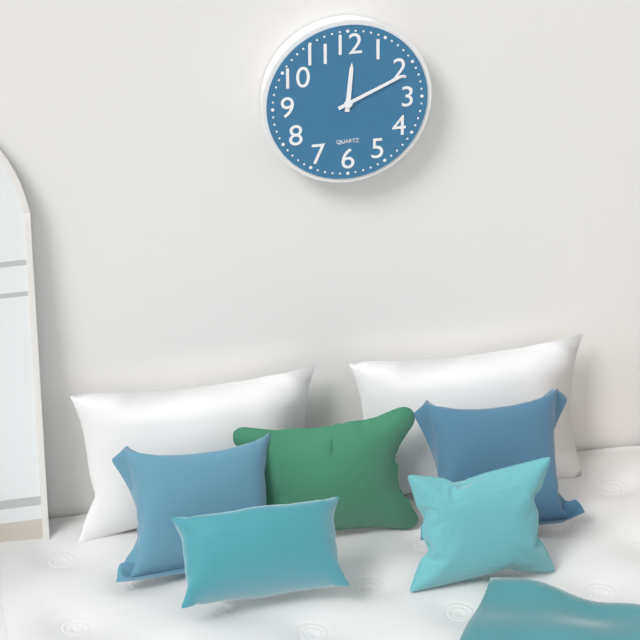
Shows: h=12 m=11
